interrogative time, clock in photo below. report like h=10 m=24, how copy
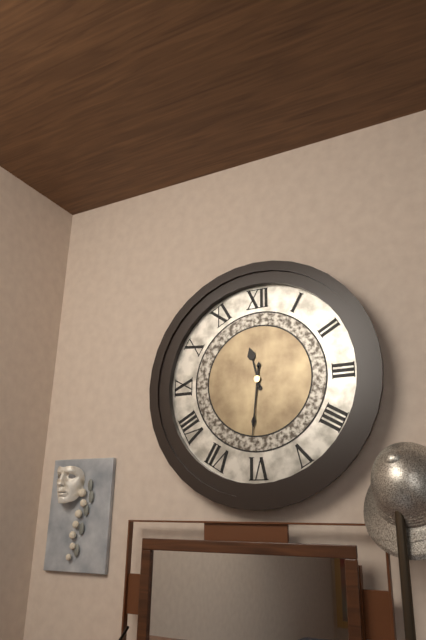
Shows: h=11 m=31
